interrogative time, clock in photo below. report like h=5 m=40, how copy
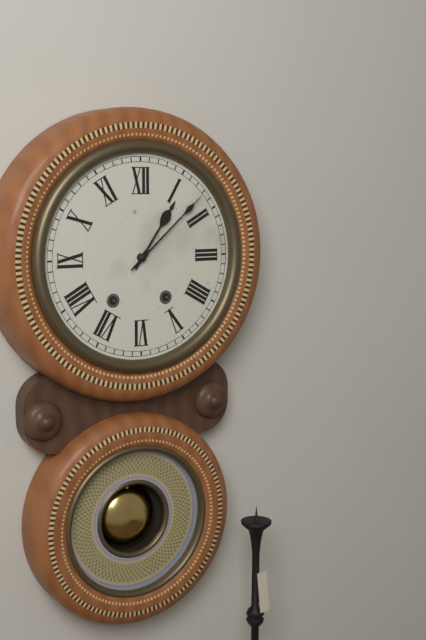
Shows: h=1 m=8
